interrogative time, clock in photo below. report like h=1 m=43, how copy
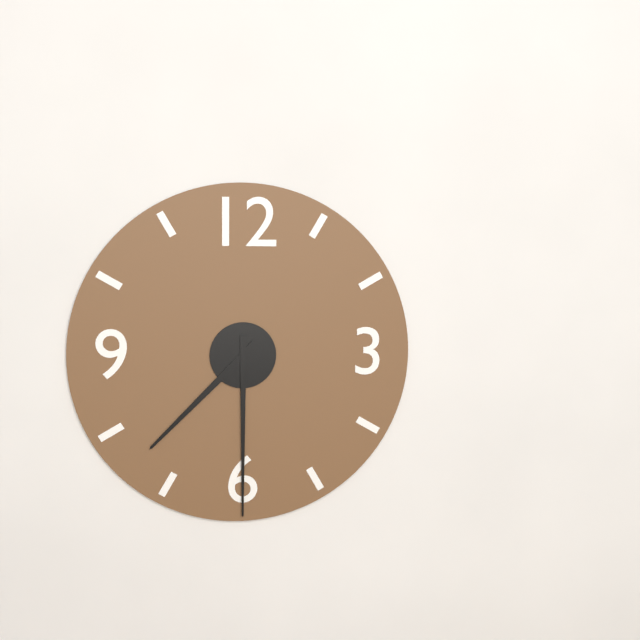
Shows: h=7 m=30
